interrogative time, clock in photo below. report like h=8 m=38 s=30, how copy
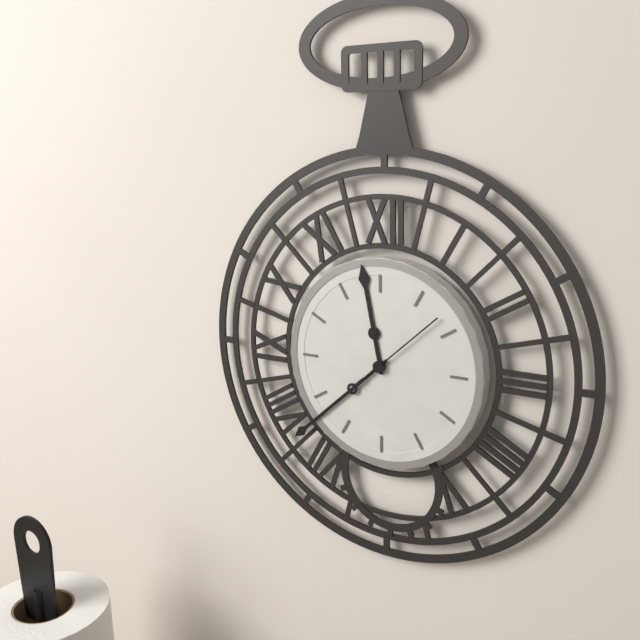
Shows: h=11 m=38 s=8
